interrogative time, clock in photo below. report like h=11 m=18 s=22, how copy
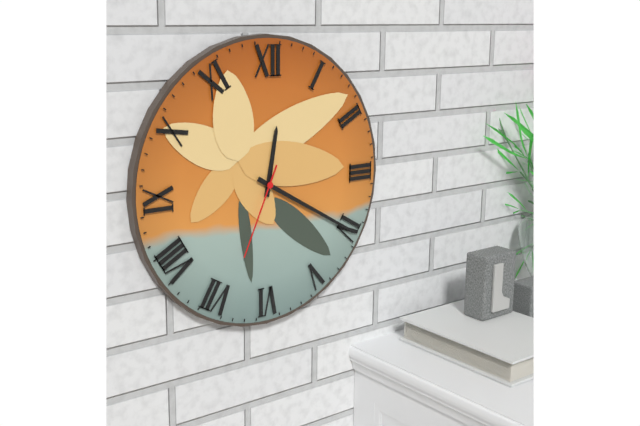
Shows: h=12 m=20 s=34
